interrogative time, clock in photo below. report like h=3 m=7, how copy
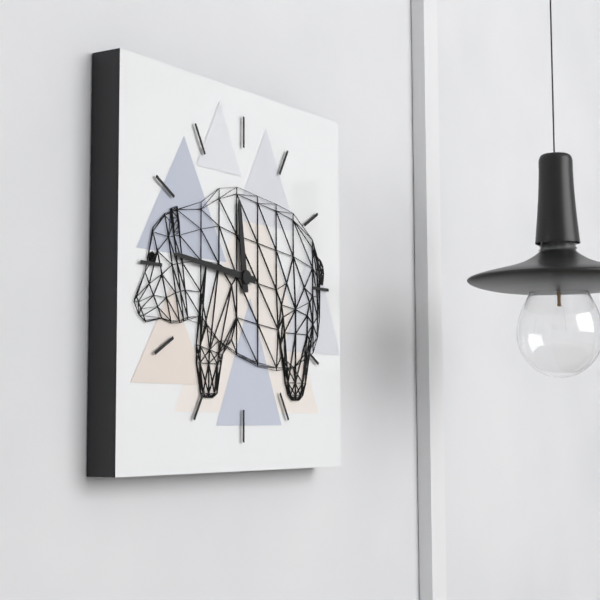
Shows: h=11 m=46
